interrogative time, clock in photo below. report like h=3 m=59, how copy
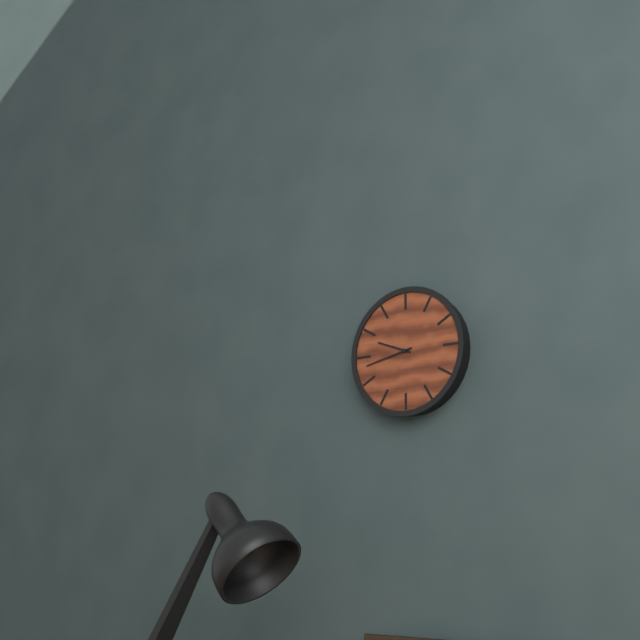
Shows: h=9 m=43
